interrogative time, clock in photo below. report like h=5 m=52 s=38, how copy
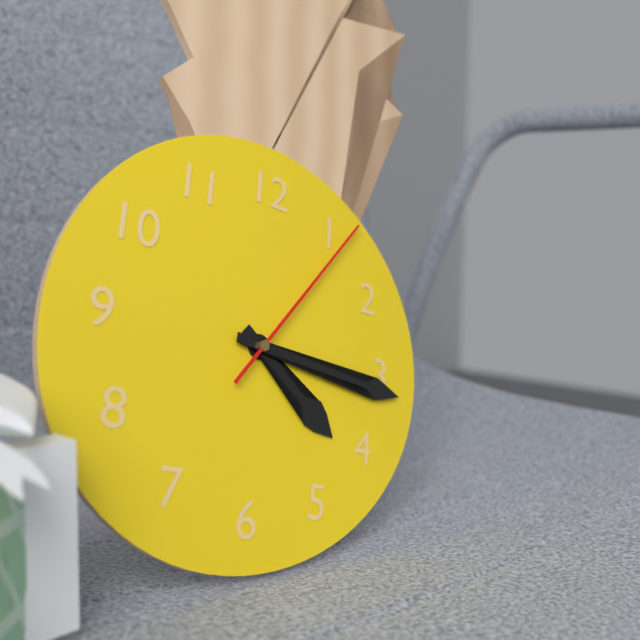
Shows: h=4 m=16 s=6
